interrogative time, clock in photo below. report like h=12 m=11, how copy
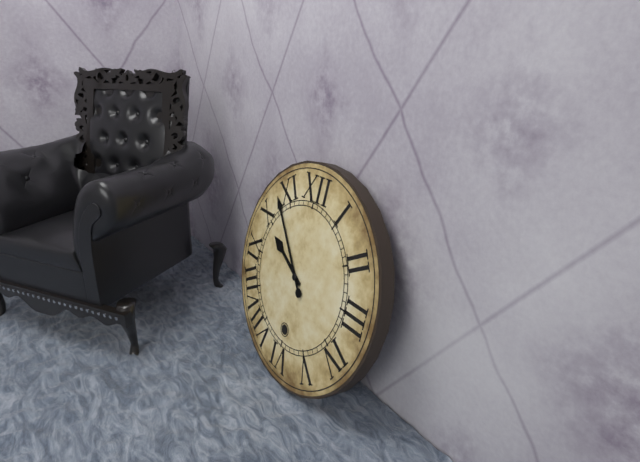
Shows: h=9 m=53
